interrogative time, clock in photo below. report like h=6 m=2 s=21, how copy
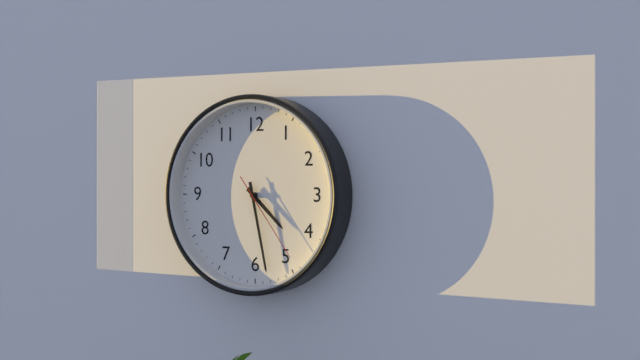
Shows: h=4 m=28 s=24
